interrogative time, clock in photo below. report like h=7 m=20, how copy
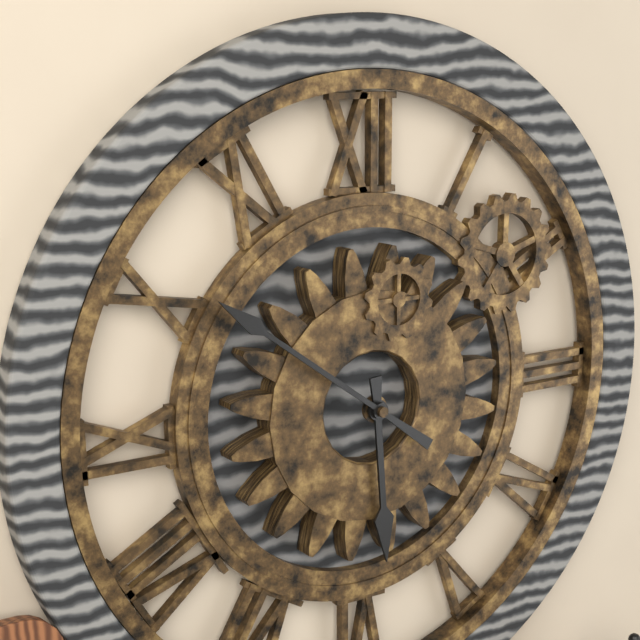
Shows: h=5 m=51
